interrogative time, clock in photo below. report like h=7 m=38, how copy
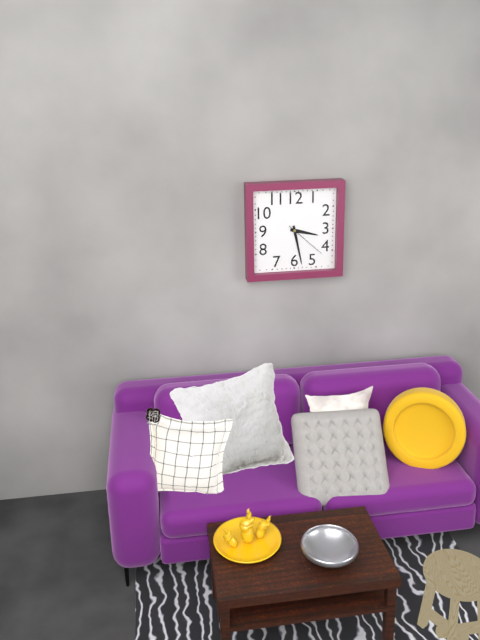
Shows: h=3 m=28
